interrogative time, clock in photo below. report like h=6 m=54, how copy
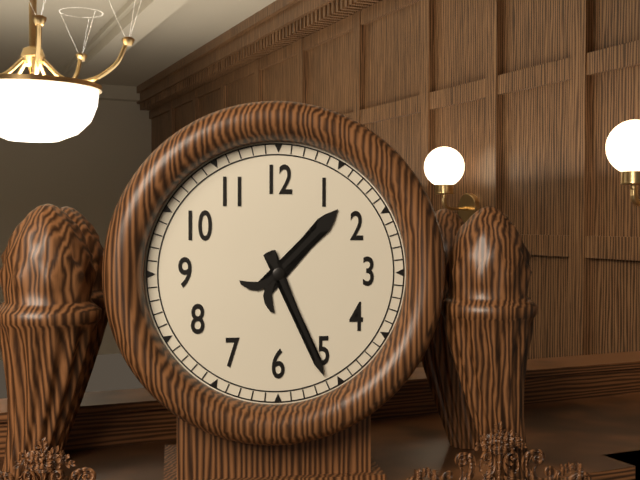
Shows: h=1 m=26
